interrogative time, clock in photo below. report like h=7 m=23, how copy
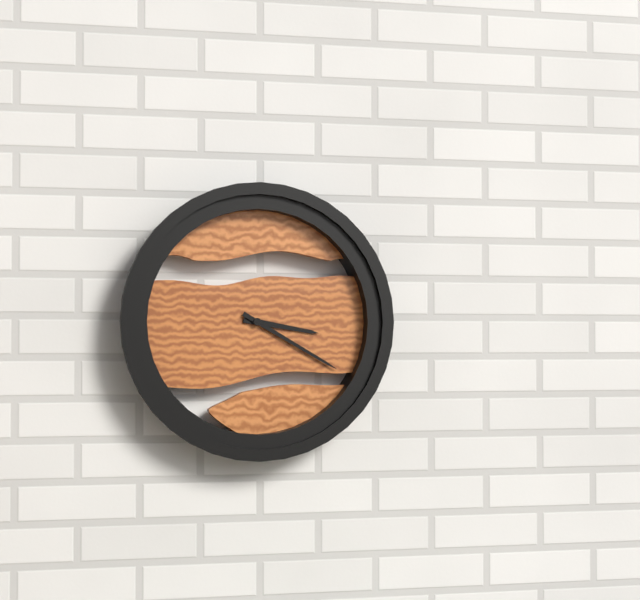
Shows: h=3 m=20
